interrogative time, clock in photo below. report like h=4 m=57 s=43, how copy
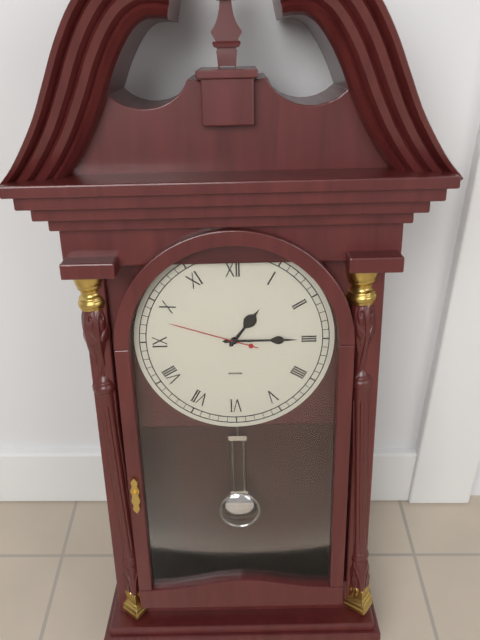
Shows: h=1 m=15 s=48
